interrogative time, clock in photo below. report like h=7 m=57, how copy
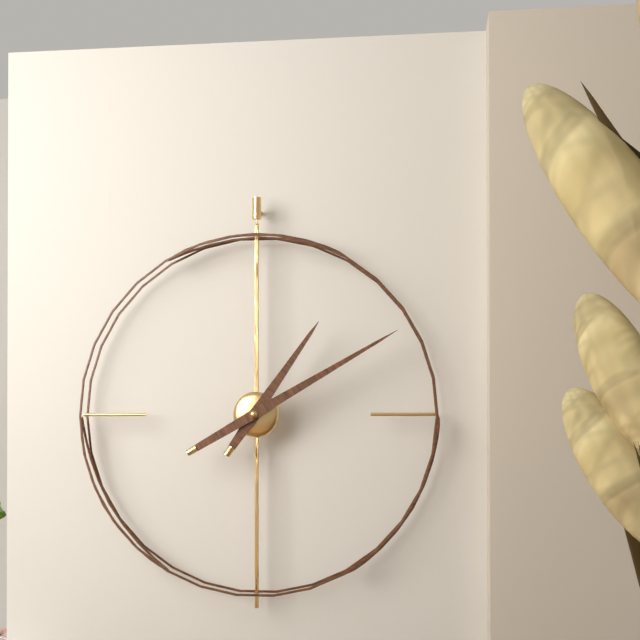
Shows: h=1 m=10
